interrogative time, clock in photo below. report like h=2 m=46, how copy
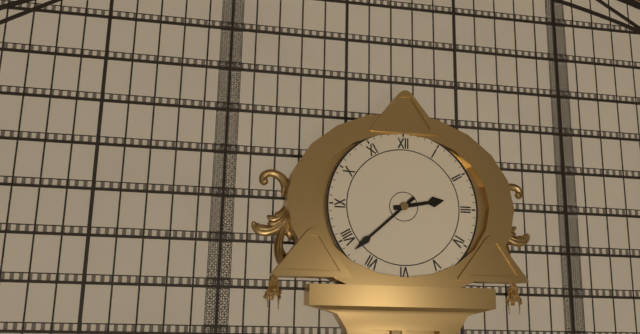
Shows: h=2 m=38
